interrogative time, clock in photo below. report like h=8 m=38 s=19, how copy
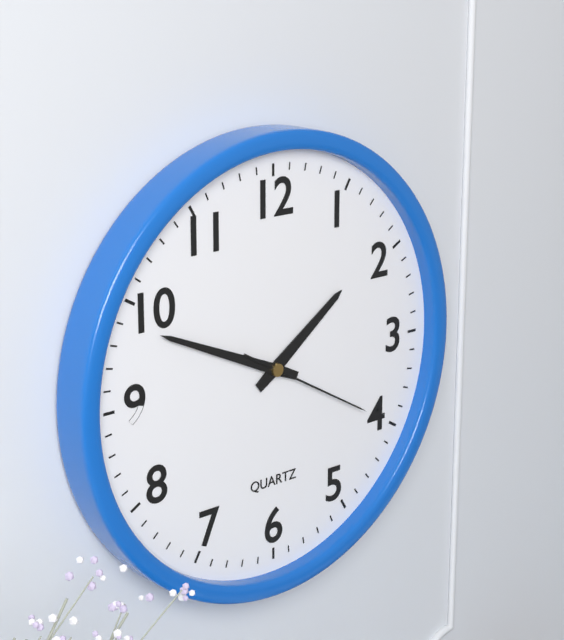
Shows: h=1 m=49 s=20
